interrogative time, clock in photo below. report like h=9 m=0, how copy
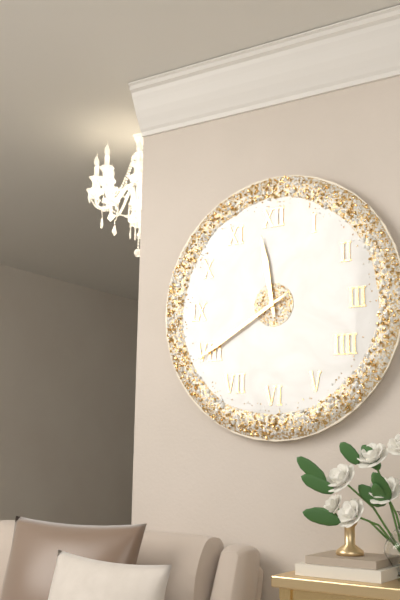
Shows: h=11 m=40
